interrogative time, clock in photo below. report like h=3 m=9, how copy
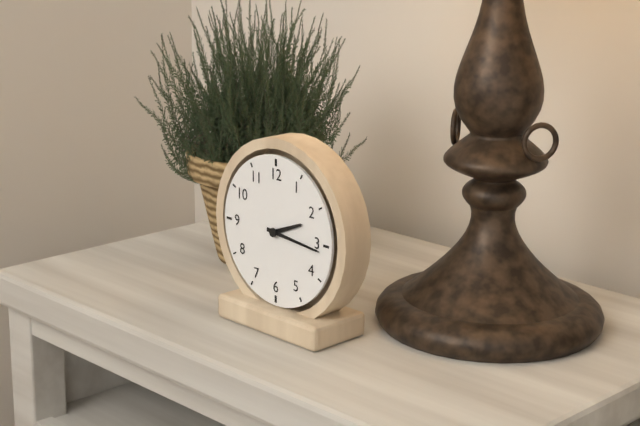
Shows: h=2 m=16
